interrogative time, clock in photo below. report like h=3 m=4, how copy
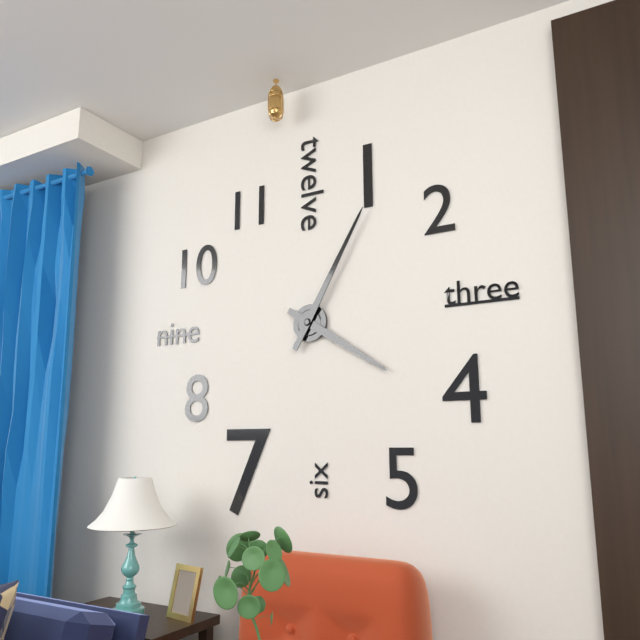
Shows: h=4 m=5
